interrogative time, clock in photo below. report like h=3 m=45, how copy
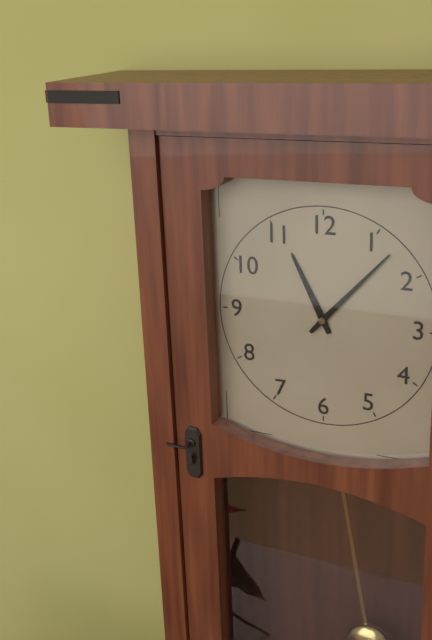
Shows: h=11 m=7
